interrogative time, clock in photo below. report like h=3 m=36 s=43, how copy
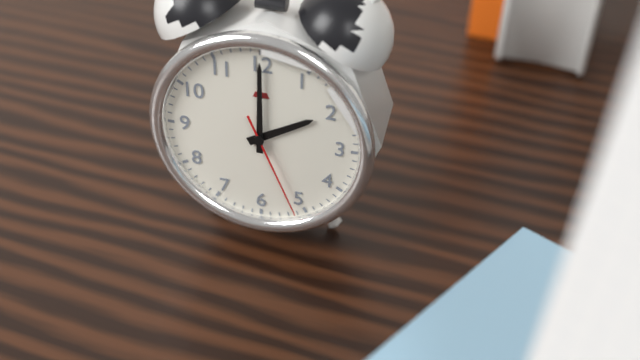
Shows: h=2 m=0 s=26
